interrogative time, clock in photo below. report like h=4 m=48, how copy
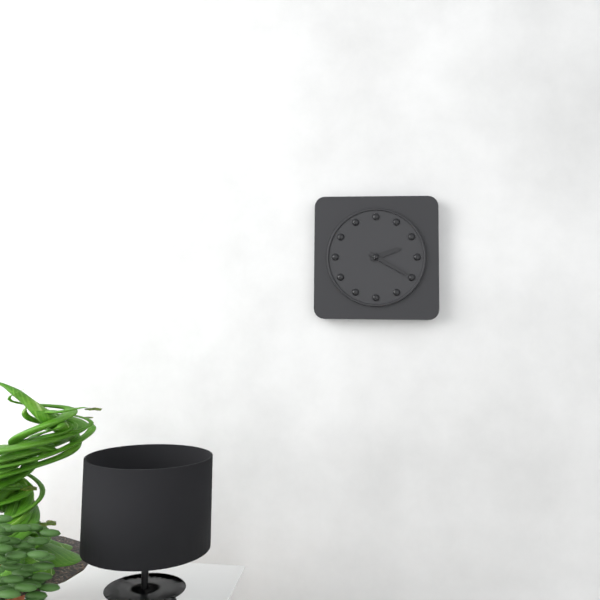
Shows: h=2 m=20
